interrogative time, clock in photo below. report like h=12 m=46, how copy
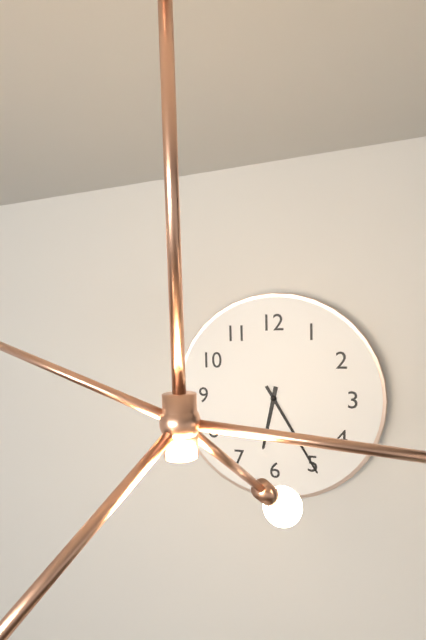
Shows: h=6 m=25
